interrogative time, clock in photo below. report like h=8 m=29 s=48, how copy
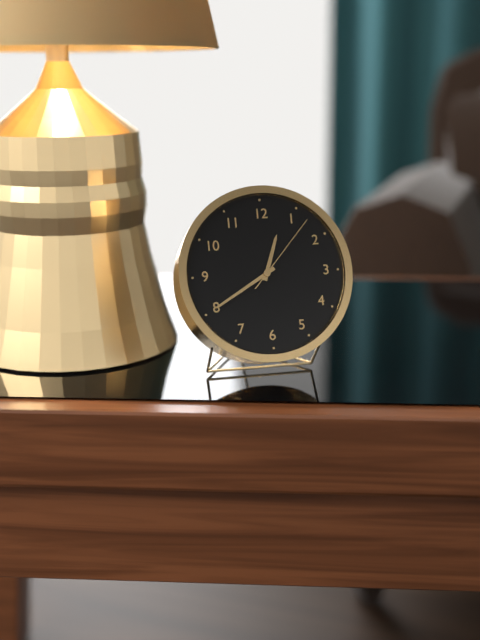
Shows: h=12 m=40 s=7
